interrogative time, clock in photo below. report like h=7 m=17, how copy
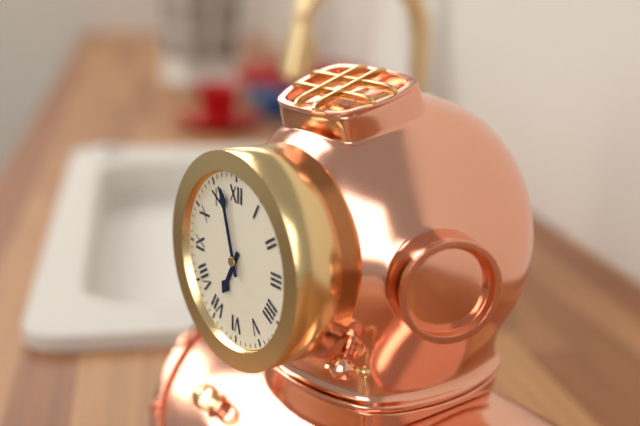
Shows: h=6 m=57
